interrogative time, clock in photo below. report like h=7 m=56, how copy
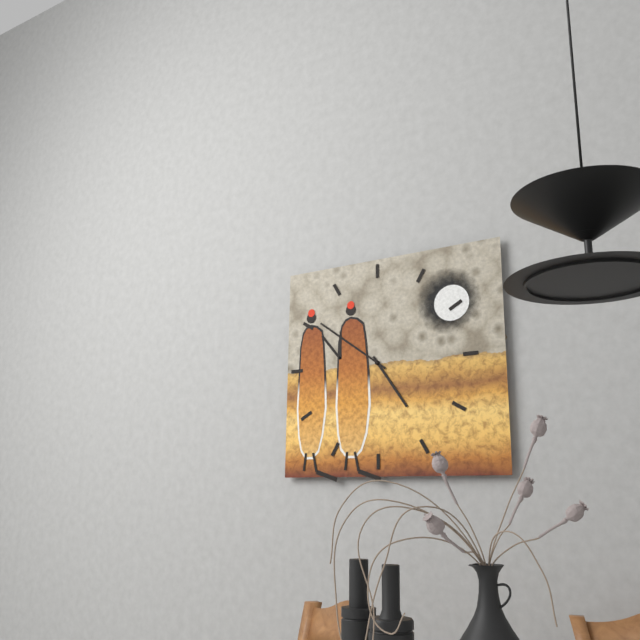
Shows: h=4 m=51
